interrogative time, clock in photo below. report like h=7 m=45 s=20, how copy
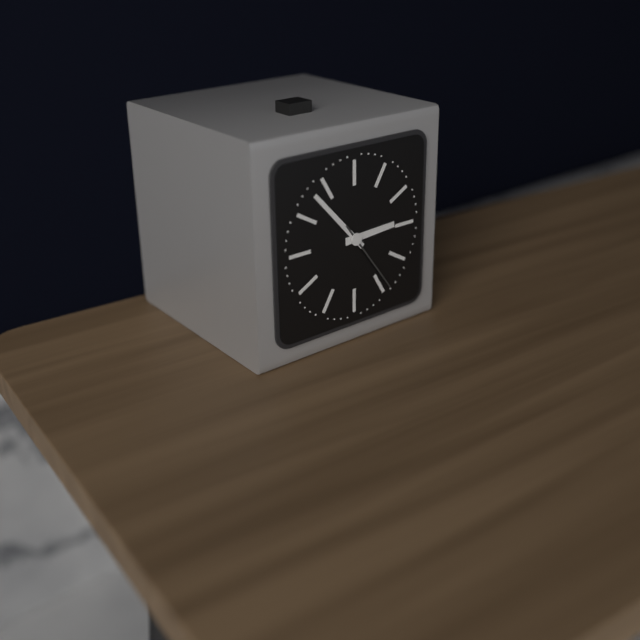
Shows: h=2 m=53 s=24
